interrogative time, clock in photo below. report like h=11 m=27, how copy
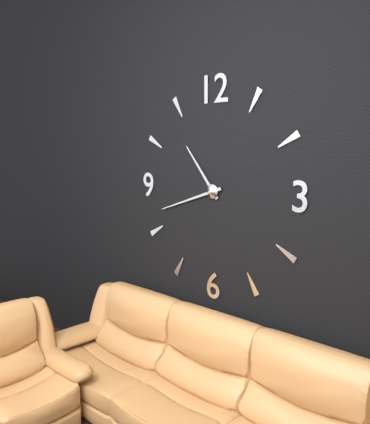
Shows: h=10 m=42
